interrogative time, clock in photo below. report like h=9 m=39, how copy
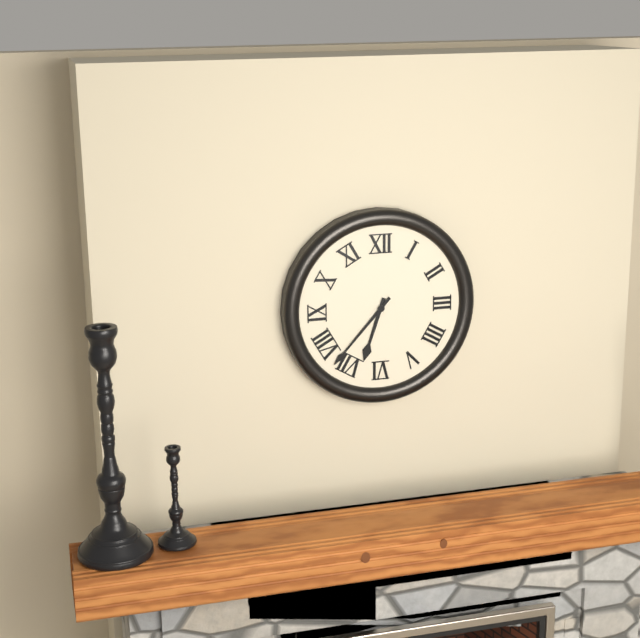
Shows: h=6 m=37
